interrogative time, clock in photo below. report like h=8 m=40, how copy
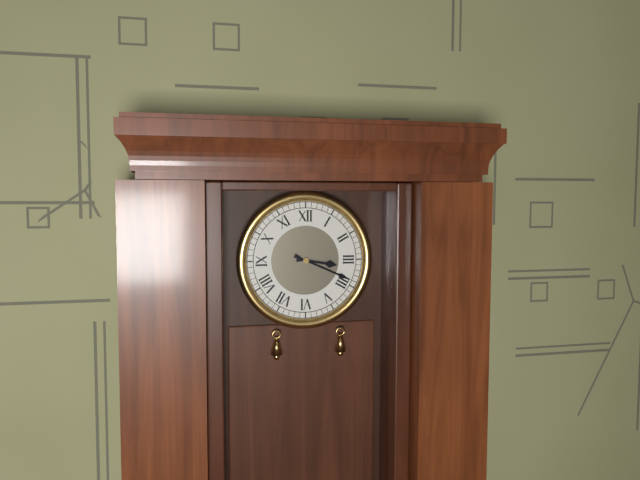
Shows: h=3 m=19
